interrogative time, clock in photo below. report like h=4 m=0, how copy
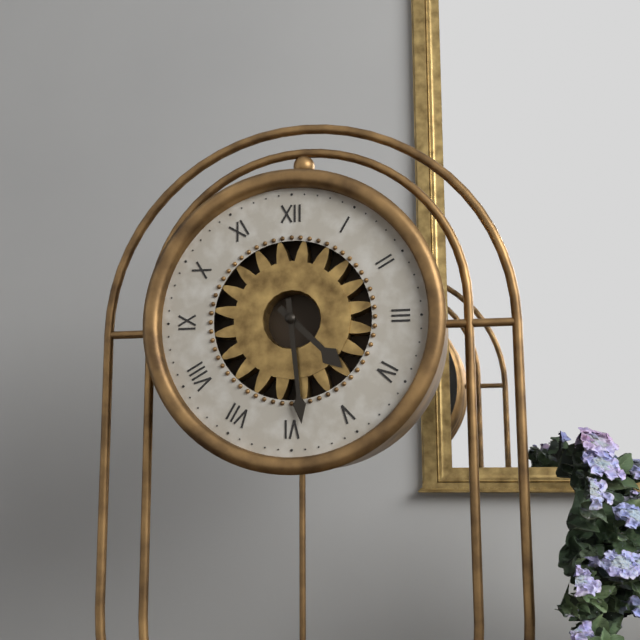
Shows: h=4 m=29
